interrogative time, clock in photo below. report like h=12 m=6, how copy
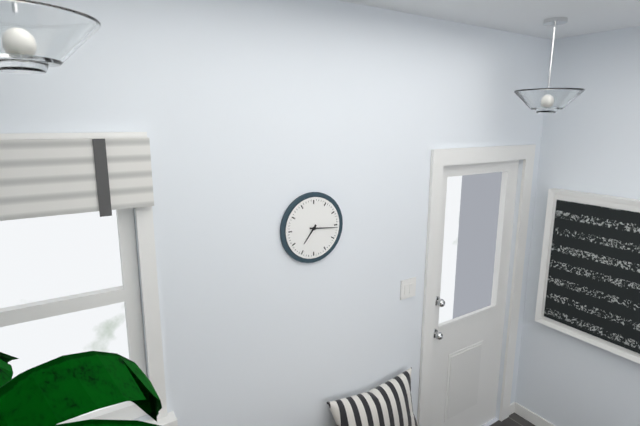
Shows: h=7 m=16
